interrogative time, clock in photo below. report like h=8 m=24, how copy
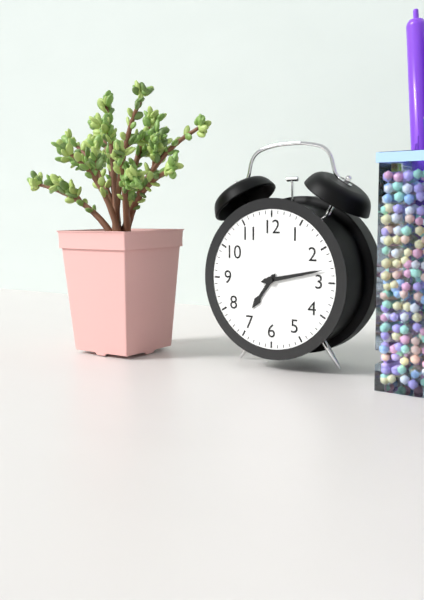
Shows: h=7 m=13
